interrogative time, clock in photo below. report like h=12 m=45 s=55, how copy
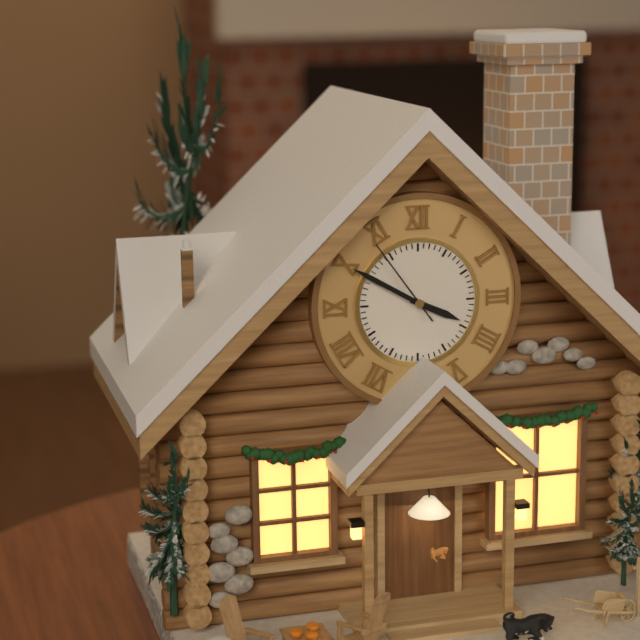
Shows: h=3 m=50 s=54
